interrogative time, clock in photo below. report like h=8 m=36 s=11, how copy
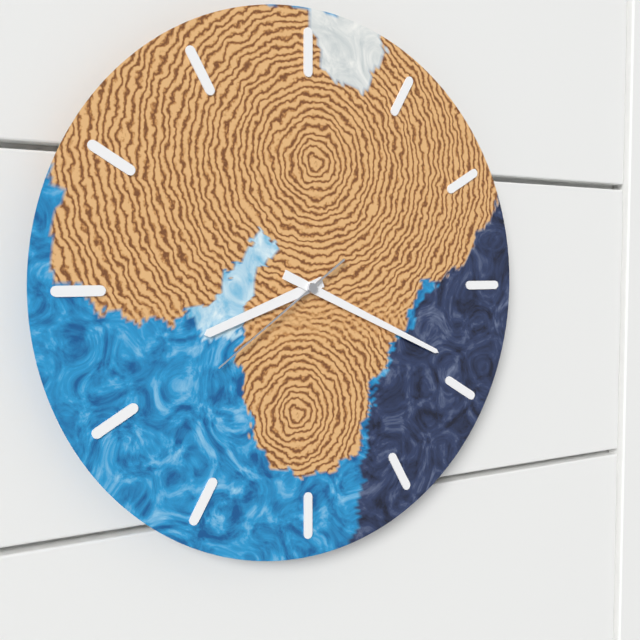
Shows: h=8 m=19 s=39
